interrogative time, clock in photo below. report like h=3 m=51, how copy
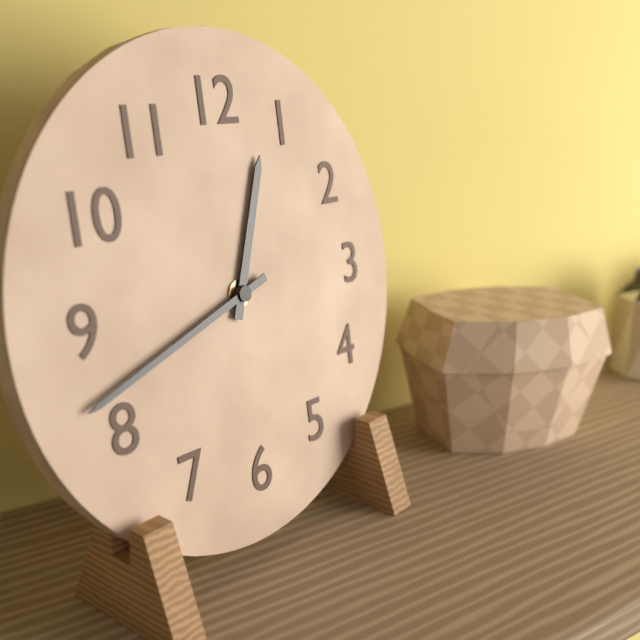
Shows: h=12 m=42
